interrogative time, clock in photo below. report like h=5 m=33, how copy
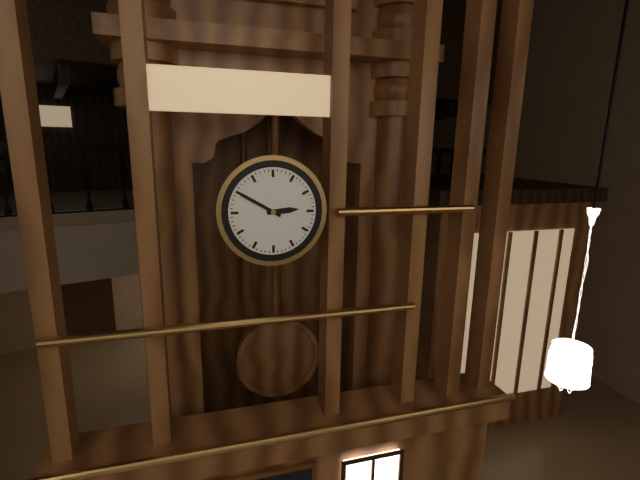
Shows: h=2 m=50
